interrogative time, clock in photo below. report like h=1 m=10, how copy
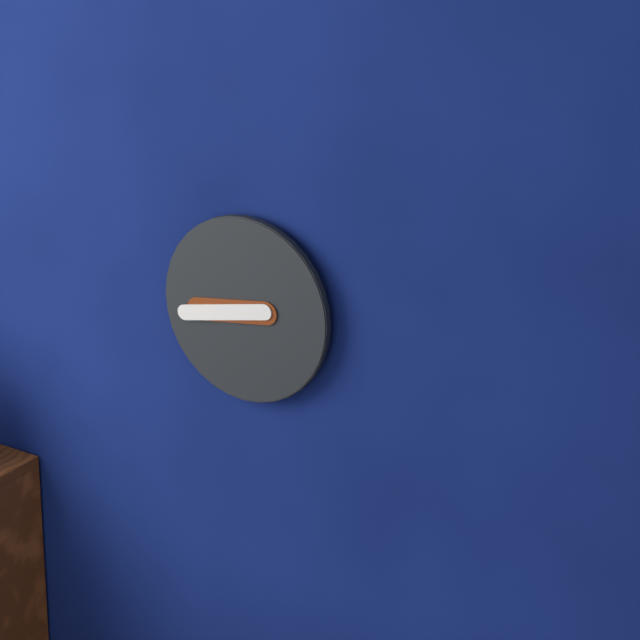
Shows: h=8 m=43
